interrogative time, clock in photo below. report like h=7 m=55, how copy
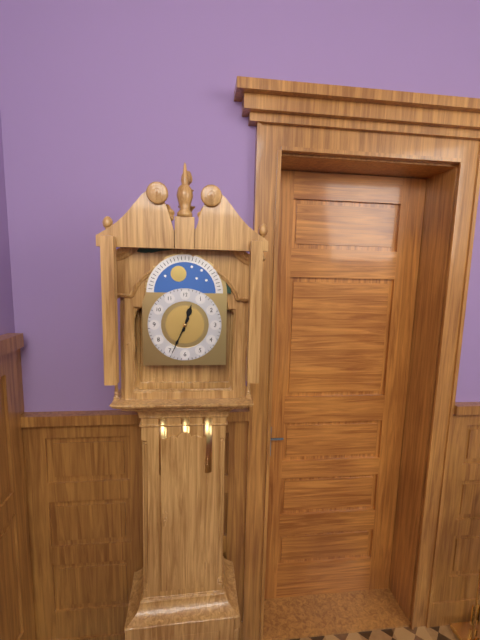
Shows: h=12 m=34
